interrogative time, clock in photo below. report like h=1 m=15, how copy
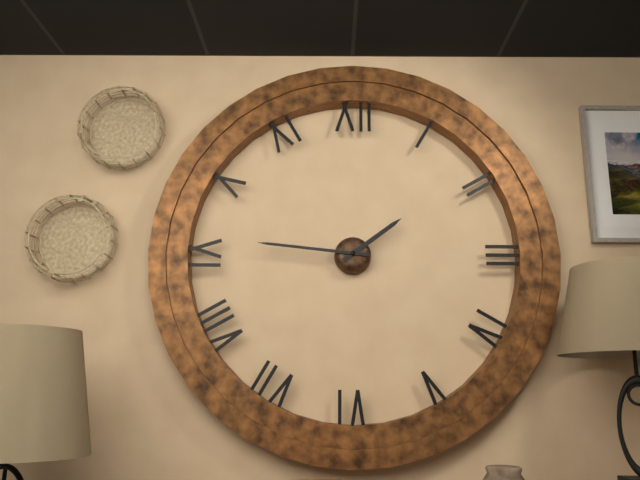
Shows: h=1 m=46
